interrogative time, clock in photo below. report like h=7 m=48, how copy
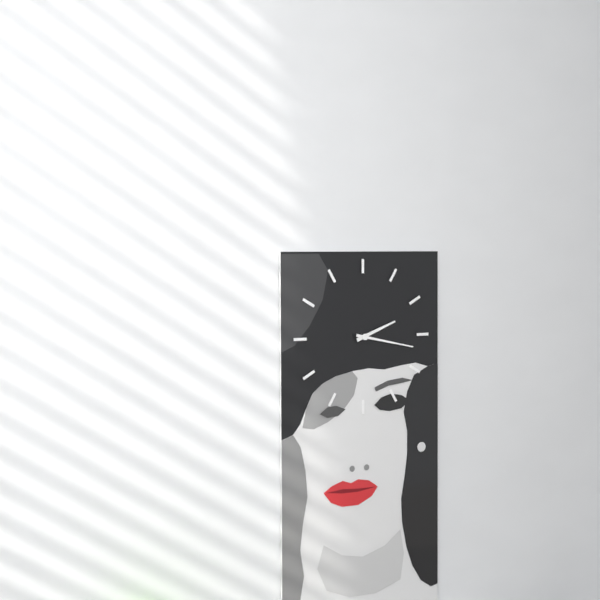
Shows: h=2 m=17
